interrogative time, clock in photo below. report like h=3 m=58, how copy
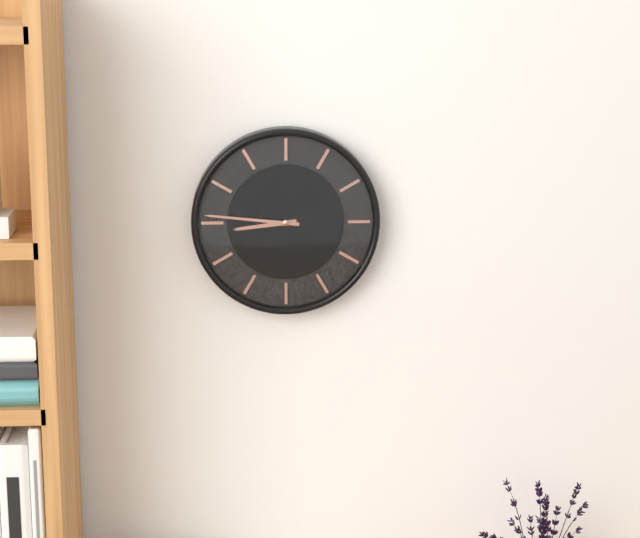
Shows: h=8 m=46
